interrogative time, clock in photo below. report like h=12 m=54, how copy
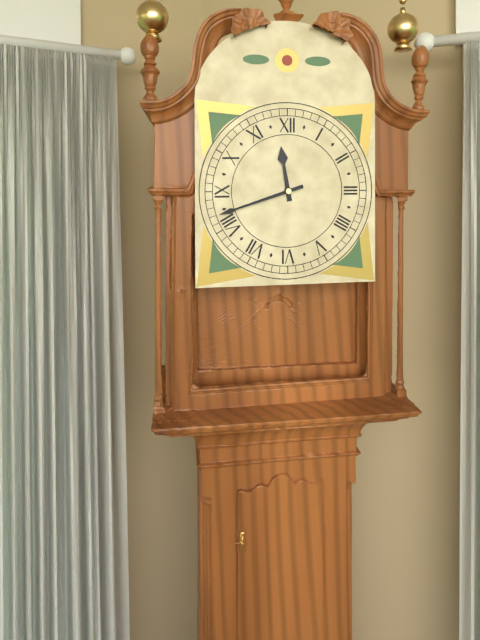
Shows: h=11 m=42
